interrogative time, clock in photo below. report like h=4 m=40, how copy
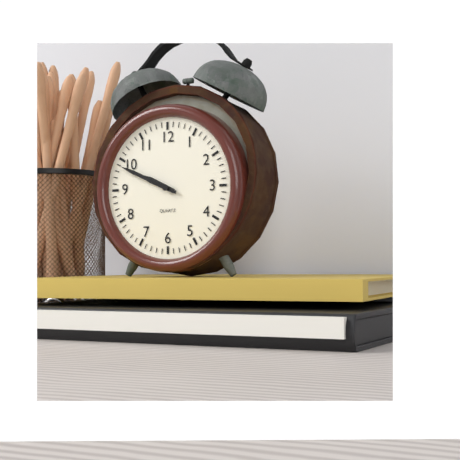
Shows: h=9 m=49
